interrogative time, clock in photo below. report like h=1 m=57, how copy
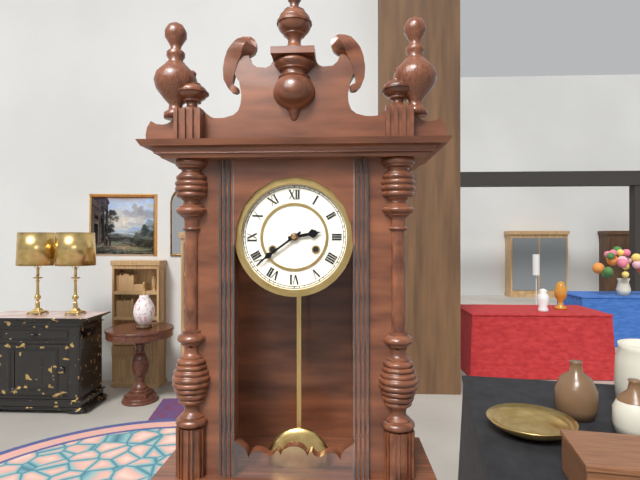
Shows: h=2 m=39
